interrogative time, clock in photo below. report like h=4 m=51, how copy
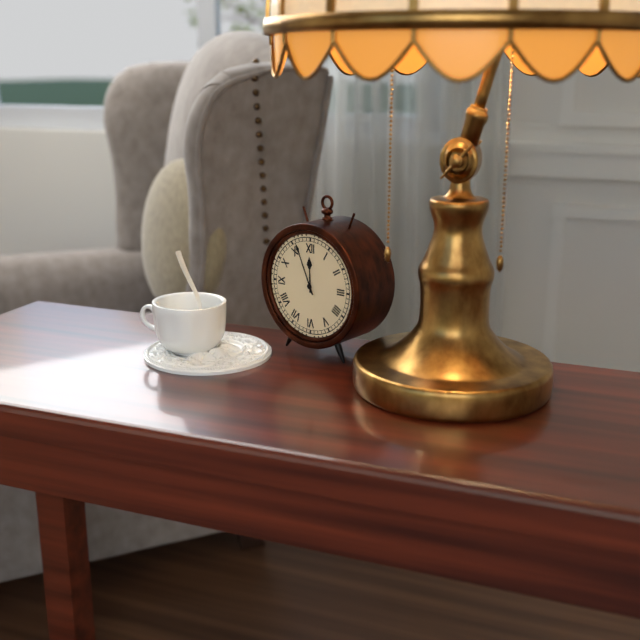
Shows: h=11 m=56
